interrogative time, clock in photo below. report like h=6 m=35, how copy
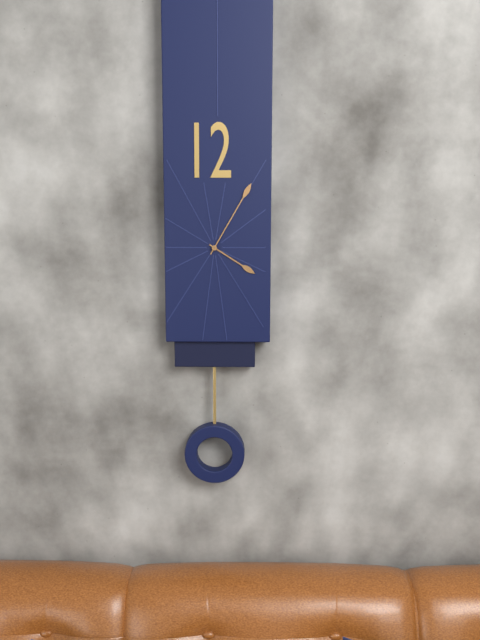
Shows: h=4 m=5
